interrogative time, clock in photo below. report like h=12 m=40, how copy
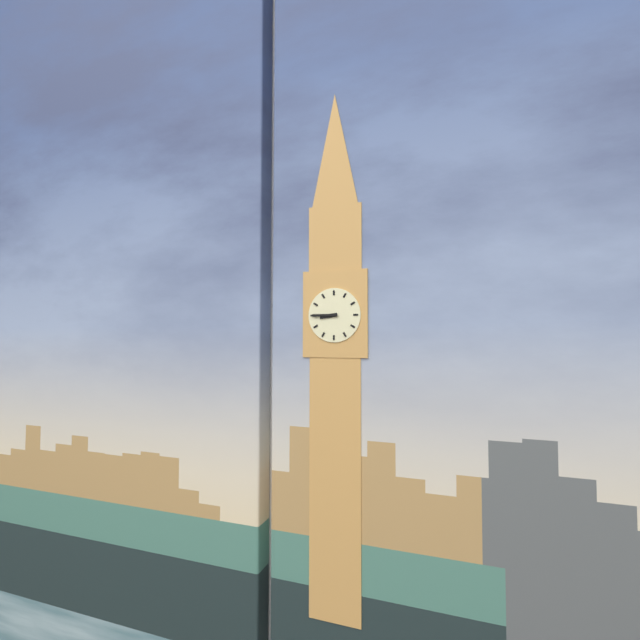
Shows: h=8 m=45
